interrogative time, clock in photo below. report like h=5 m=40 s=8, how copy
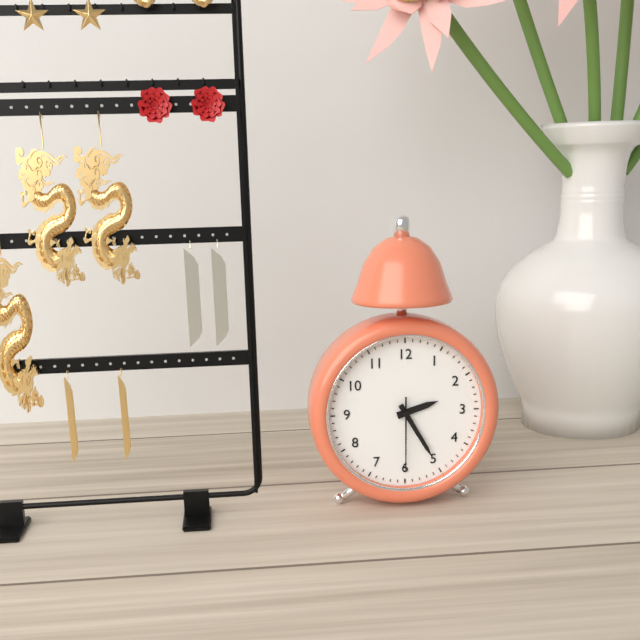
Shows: h=2 m=25 s=30
